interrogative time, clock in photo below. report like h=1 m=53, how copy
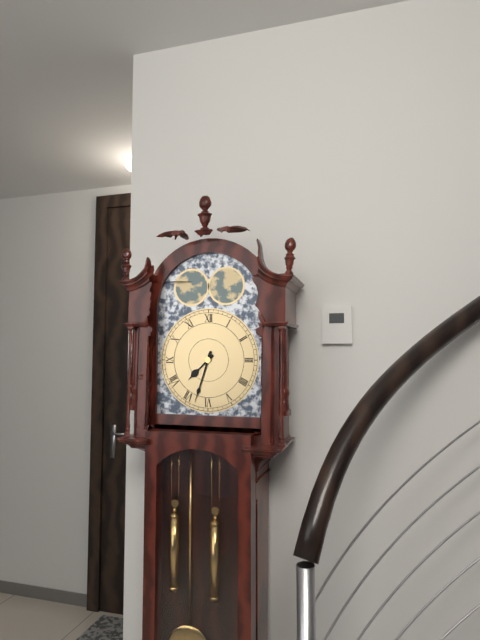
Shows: h=7 m=33
